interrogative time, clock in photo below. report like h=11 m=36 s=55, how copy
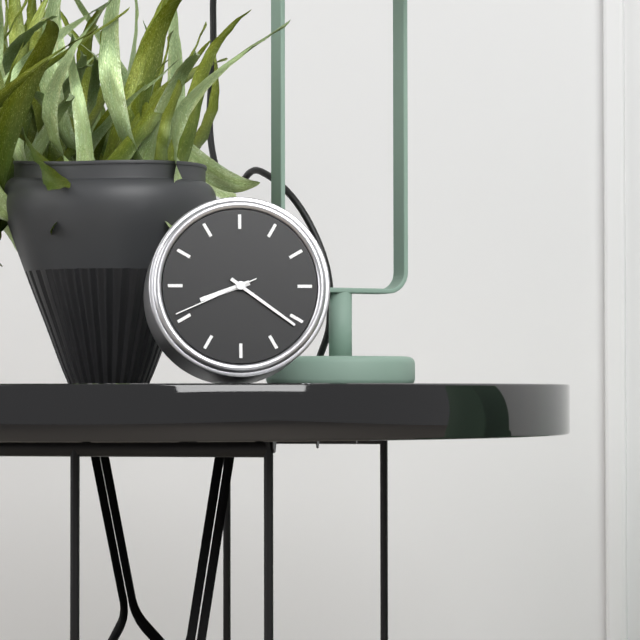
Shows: h=8 m=21 s=41
